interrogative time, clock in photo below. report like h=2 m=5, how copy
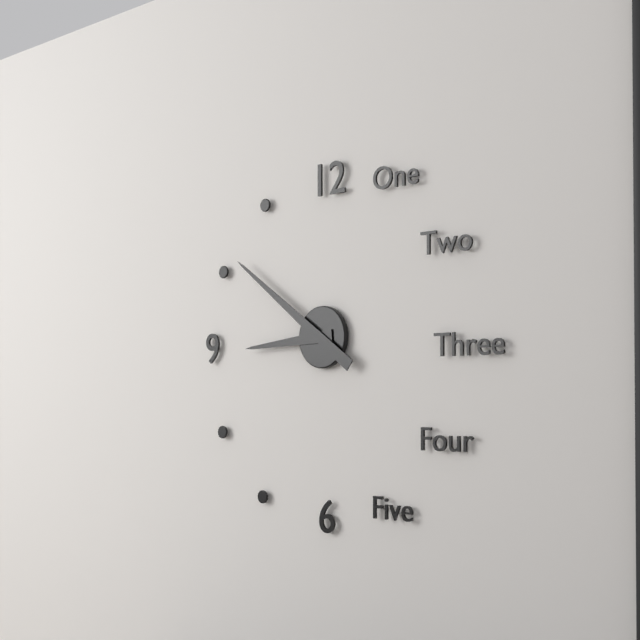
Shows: h=8 m=51
